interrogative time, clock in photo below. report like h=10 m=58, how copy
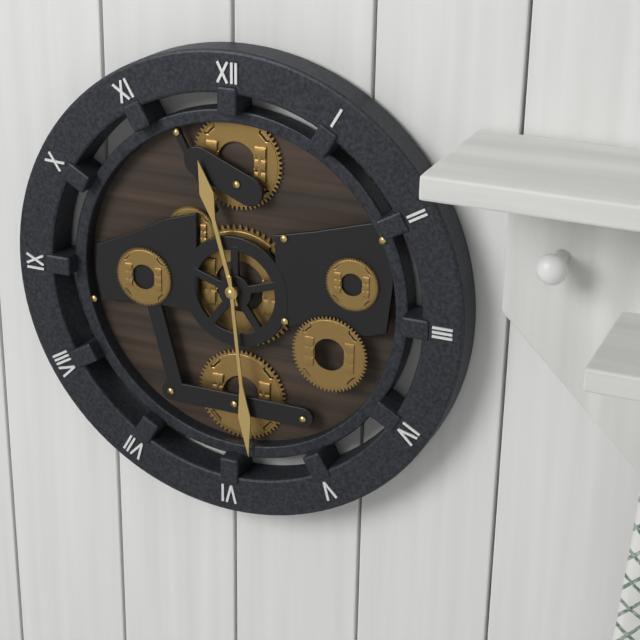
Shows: h=11 m=29
